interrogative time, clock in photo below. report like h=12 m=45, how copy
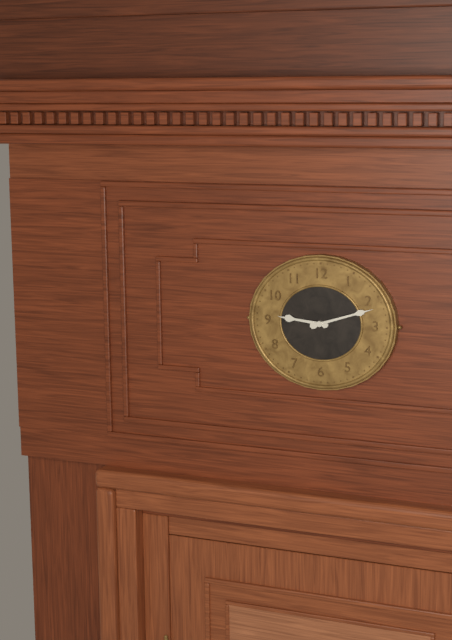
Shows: h=9 m=12
